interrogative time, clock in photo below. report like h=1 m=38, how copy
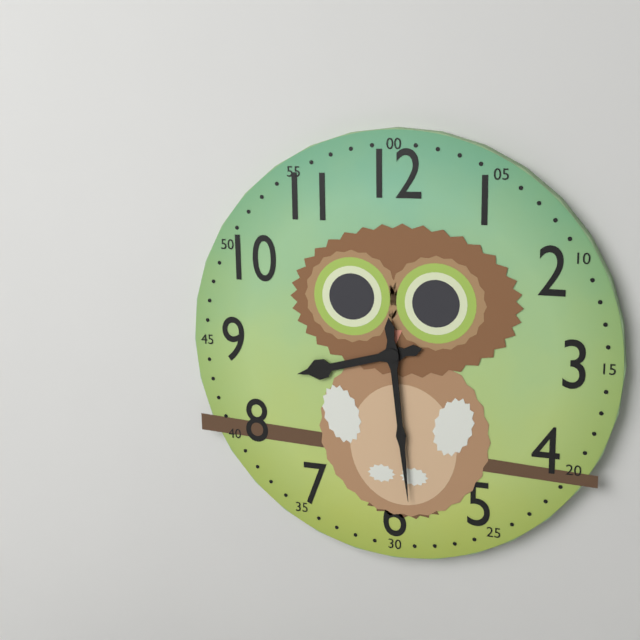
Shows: h=8 m=29
